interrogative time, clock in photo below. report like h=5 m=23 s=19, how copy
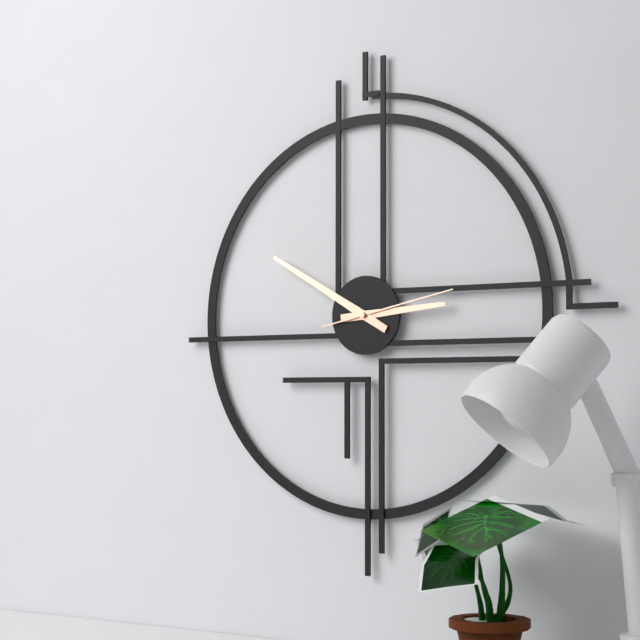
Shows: h=2 m=50 s=13
